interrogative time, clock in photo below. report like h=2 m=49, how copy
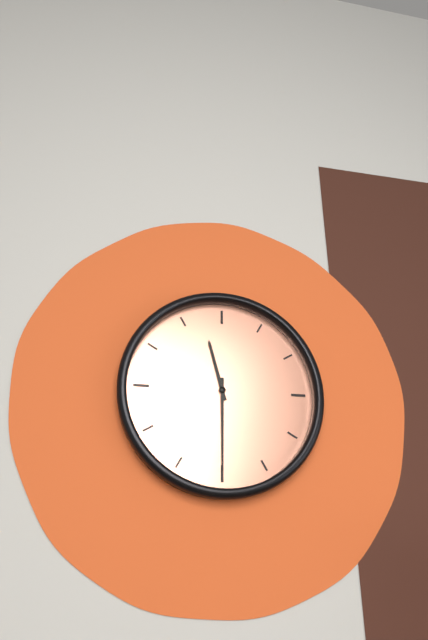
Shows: h=11 m=30
